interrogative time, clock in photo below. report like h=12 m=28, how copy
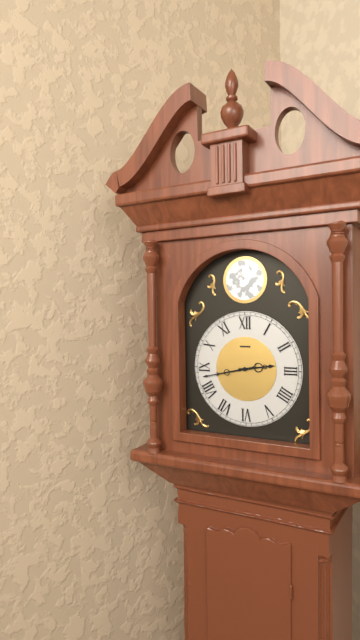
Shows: h=2 m=43
